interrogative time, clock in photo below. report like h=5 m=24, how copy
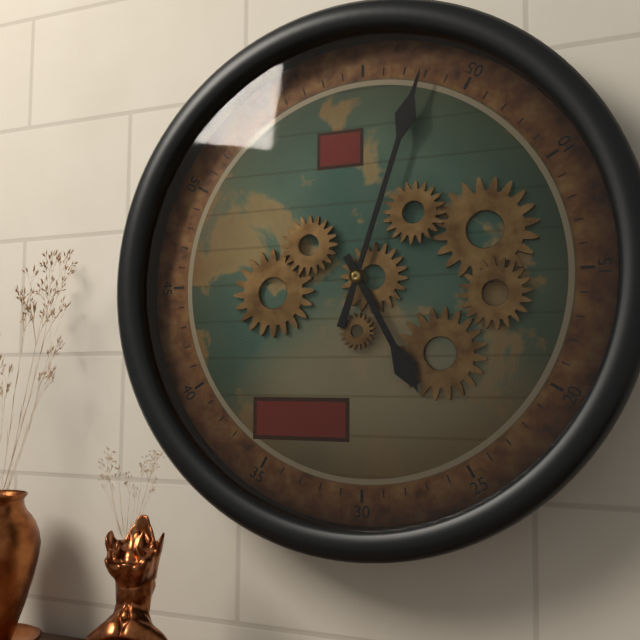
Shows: h=5 m=3
